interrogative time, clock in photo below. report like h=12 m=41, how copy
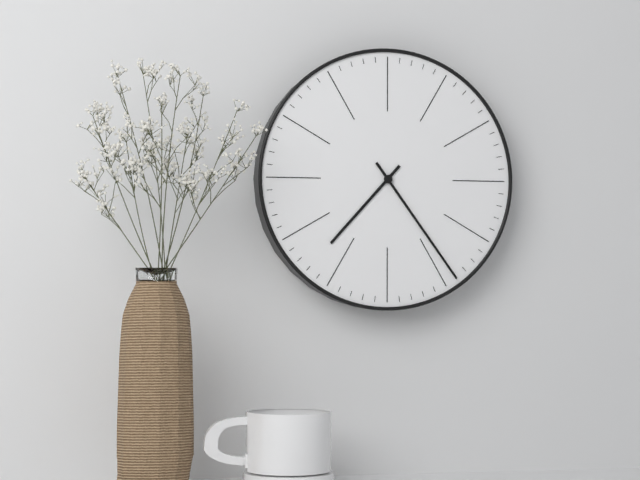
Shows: h=7 m=24
